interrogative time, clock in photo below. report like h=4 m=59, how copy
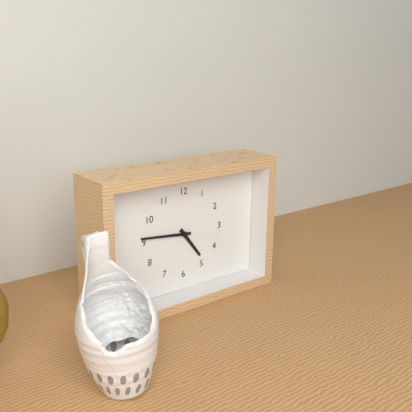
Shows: h=4 m=46
